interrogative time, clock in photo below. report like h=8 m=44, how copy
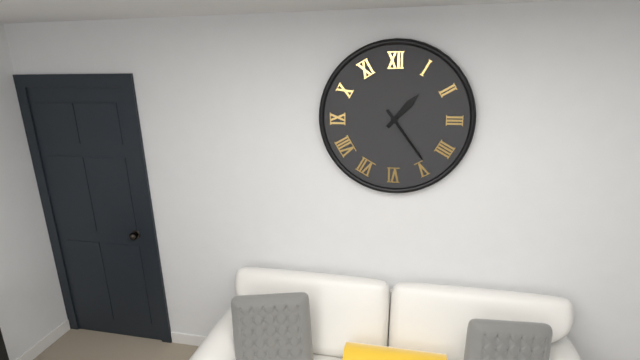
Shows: h=1 m=24
